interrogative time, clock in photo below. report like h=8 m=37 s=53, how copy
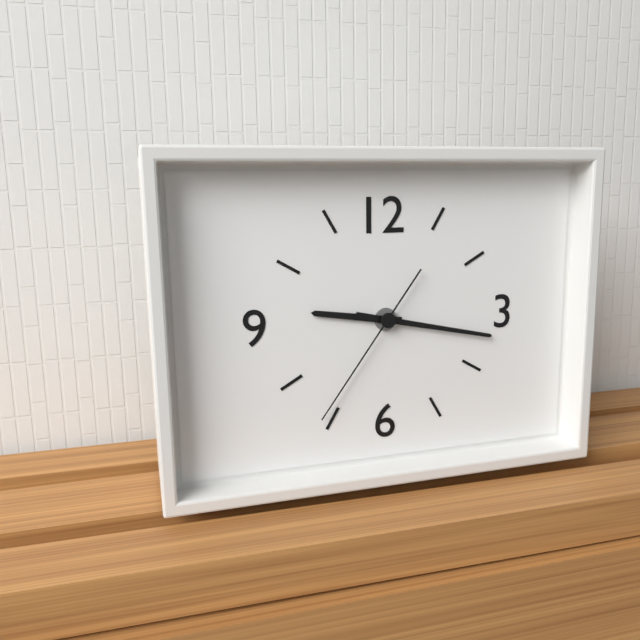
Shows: h=9 m=17 s=36
